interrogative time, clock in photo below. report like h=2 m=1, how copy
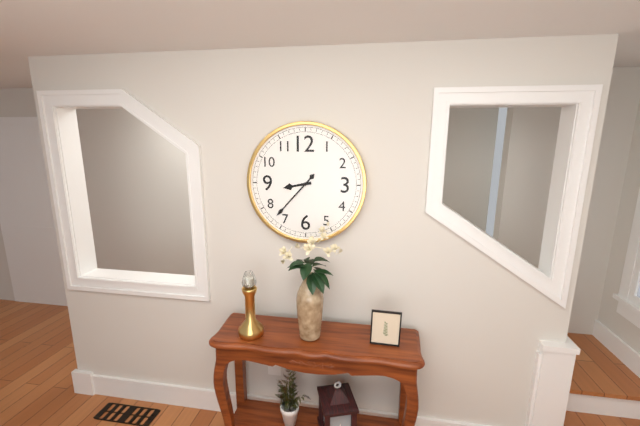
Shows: h=8 m=37
